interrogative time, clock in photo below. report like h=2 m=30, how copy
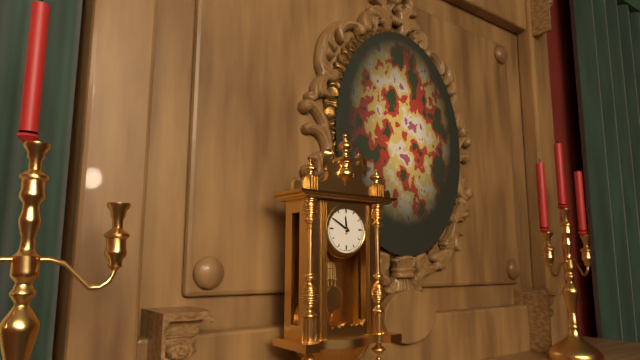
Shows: h=11 m=50
